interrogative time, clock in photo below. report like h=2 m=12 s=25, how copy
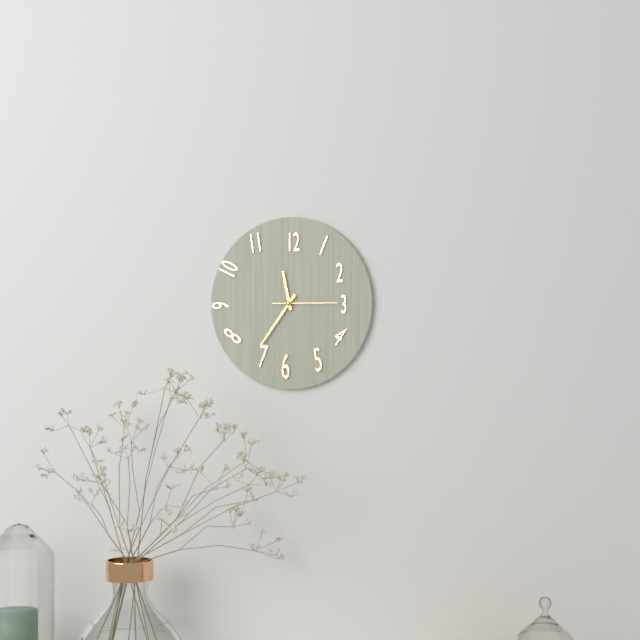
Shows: h=11 m=36 s=15
